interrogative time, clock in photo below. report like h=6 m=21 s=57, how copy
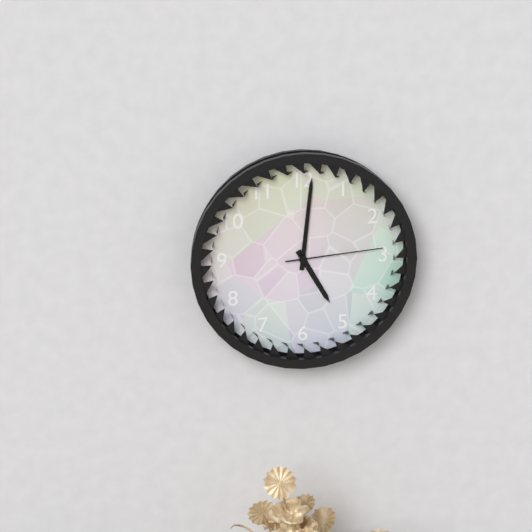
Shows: h=5 m=1 s=14
